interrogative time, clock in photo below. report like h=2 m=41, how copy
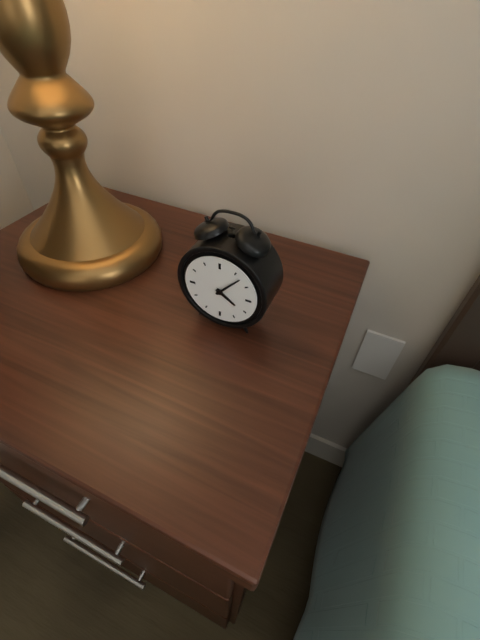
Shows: h=4 m=7
